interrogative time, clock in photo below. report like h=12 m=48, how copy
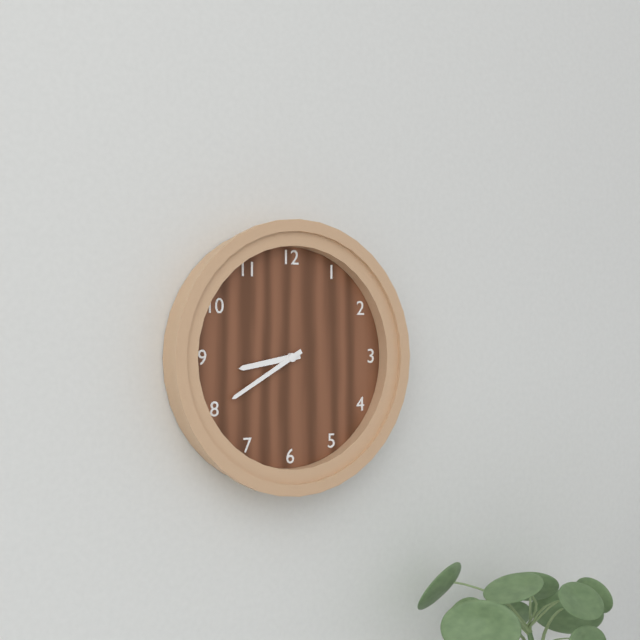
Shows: h=8 m=40
